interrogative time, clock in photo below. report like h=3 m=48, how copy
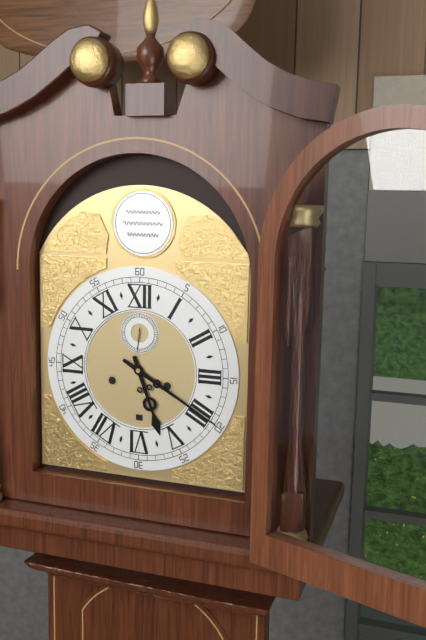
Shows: h=5 m=20
